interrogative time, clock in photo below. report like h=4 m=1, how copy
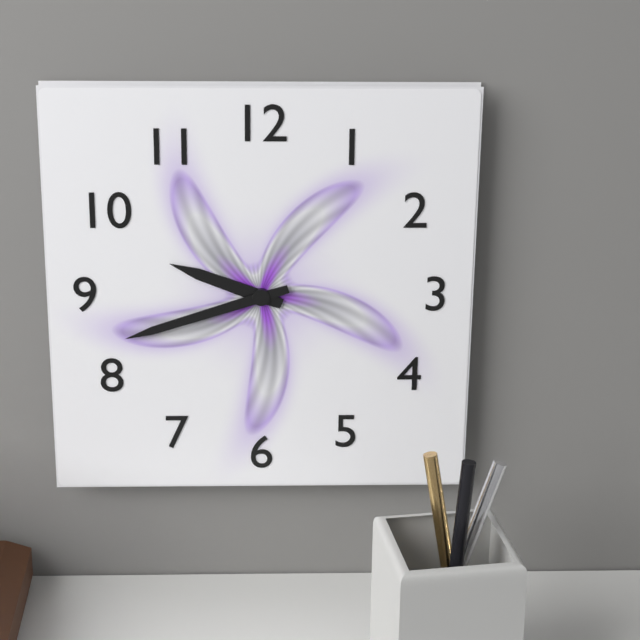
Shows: h=9 m=42
